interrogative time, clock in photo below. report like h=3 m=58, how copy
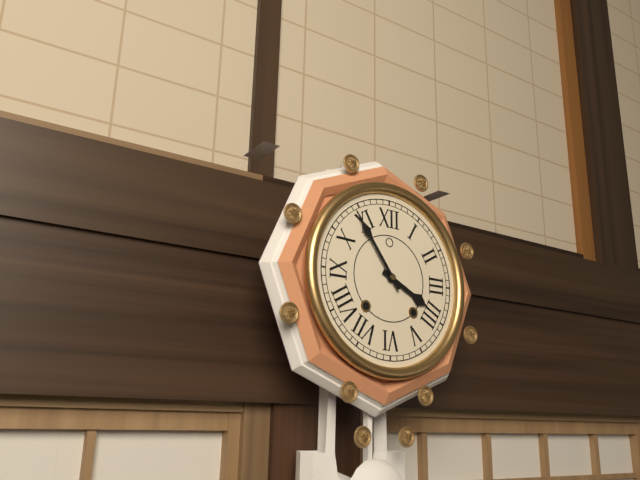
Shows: h=3 m=54
